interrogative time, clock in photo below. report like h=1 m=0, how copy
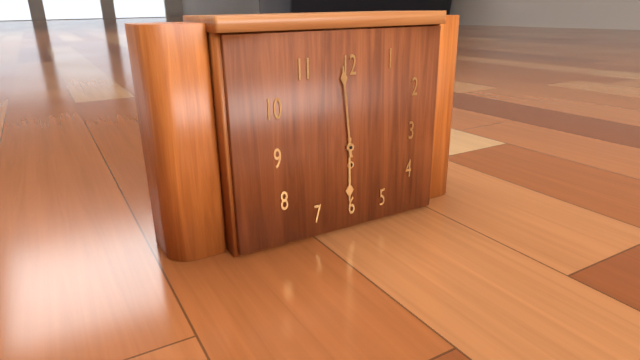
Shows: h=5 m=59
